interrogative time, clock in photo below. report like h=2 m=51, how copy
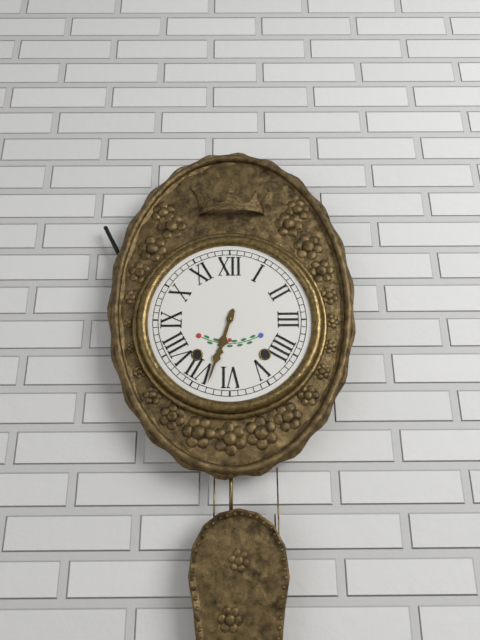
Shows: h=6 m=33
